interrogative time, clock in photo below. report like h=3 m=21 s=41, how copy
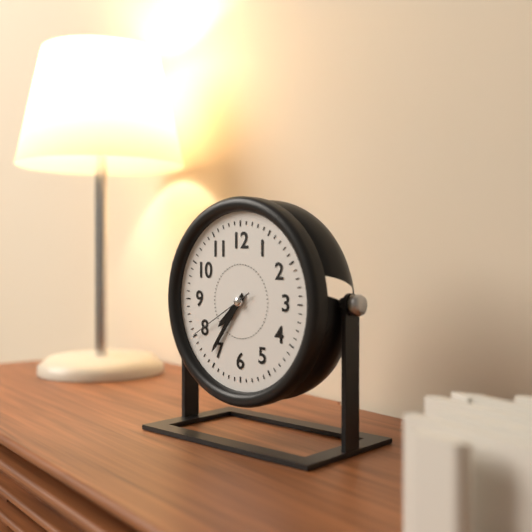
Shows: h=7 m=36 s=40
